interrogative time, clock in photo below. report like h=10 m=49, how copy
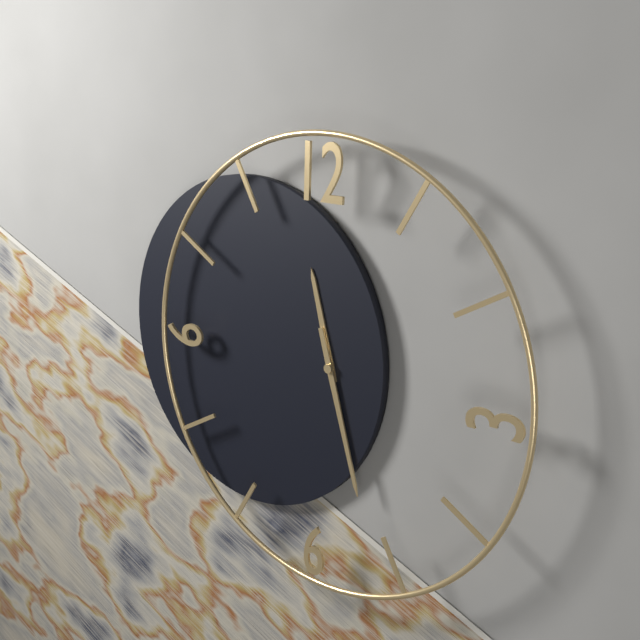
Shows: h=11 m=27
